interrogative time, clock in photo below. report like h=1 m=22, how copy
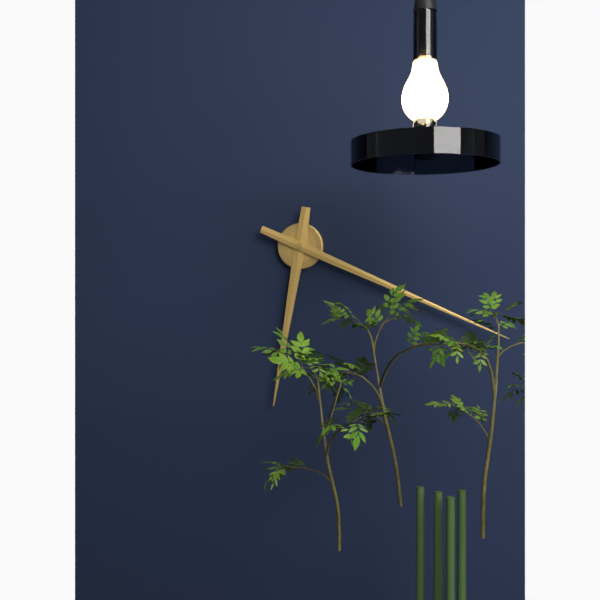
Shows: h=6 m=19
